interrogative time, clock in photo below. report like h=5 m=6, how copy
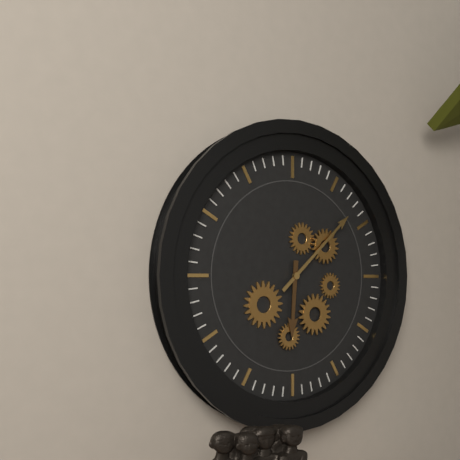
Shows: h=6 m=8
